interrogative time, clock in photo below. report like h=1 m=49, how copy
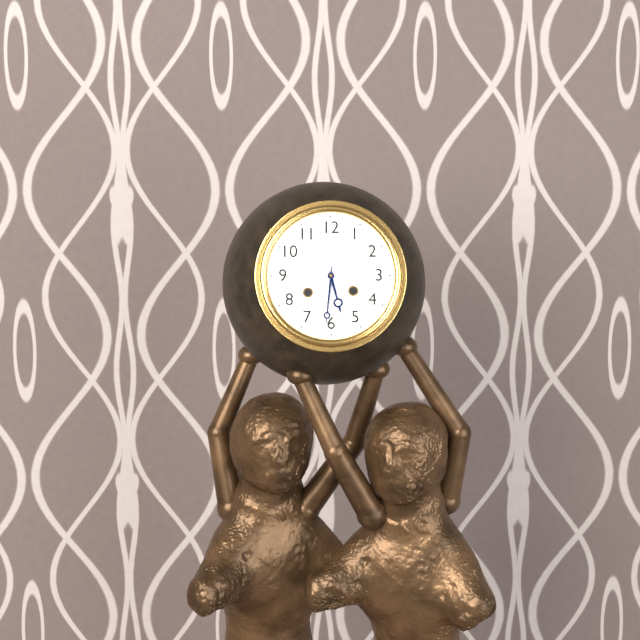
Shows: h=5 m=31
